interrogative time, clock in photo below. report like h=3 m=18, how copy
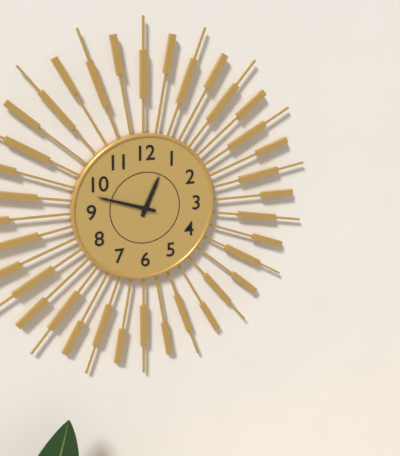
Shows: h=12 m=48
